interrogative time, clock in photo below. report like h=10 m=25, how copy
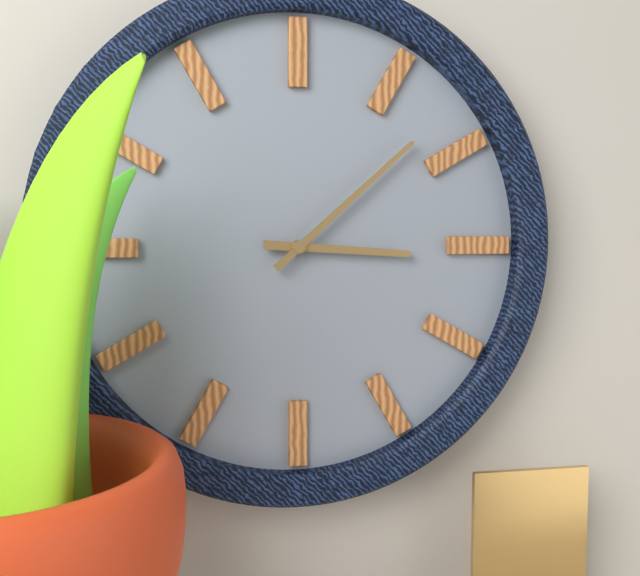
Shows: h=3 m=8
